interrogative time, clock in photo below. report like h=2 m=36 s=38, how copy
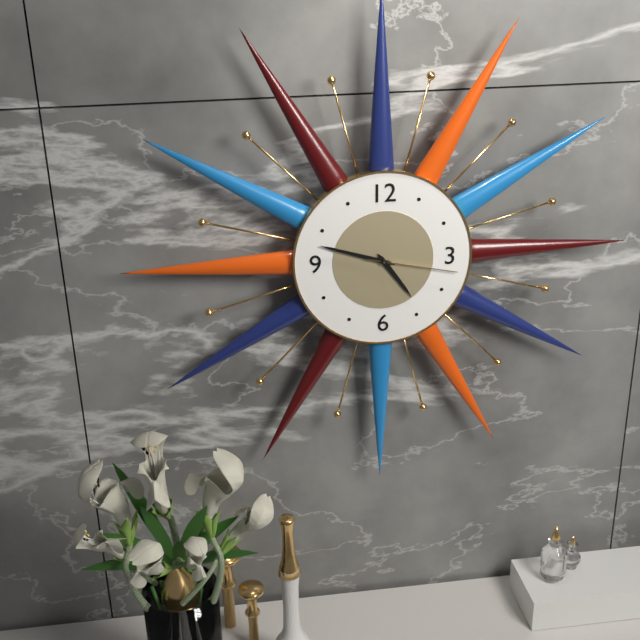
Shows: h=4 m=48 s=17
